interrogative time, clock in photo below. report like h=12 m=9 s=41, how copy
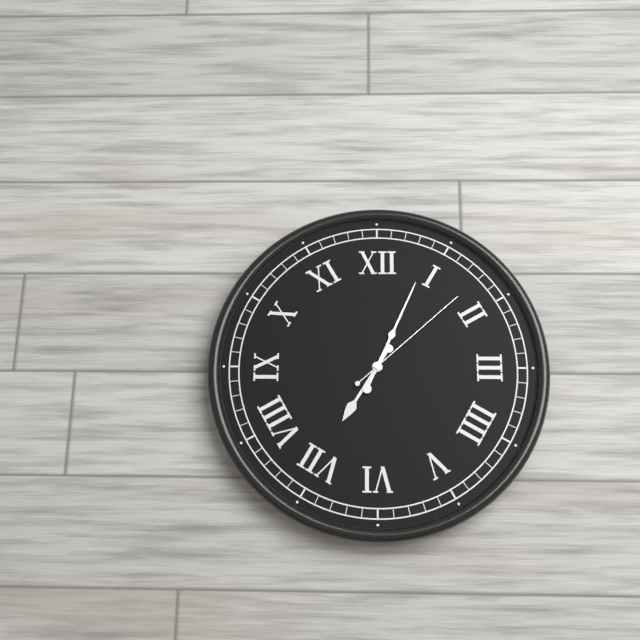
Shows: h=7 m=4 s=8
